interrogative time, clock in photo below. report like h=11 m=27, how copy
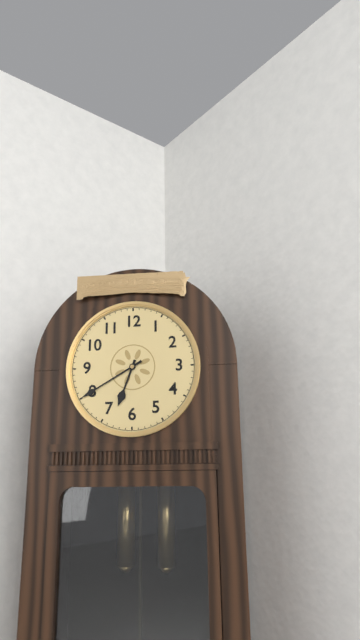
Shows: h=6 m=40
